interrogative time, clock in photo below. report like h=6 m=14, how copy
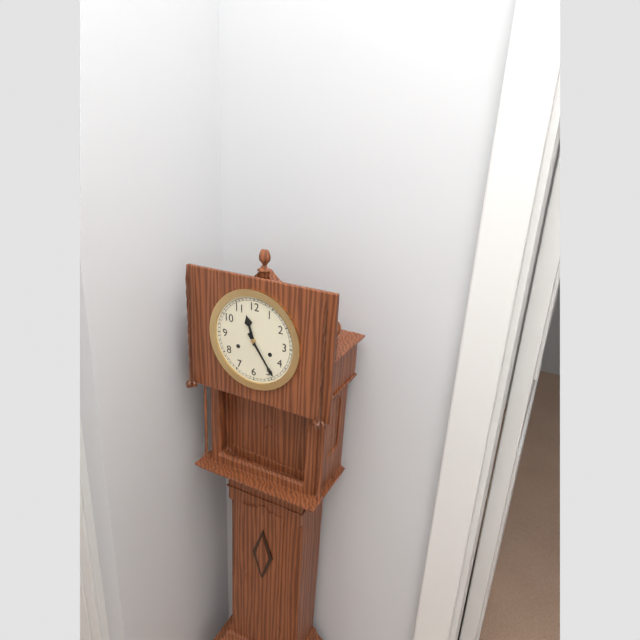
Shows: h=11 m=24
